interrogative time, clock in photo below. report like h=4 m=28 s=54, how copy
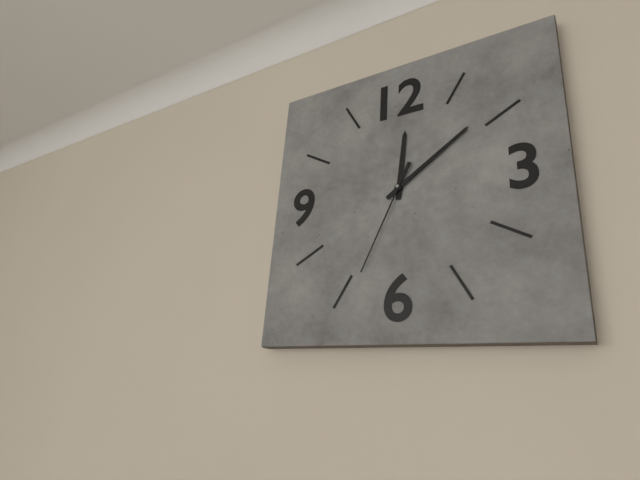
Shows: h=12 m=9 s=34
